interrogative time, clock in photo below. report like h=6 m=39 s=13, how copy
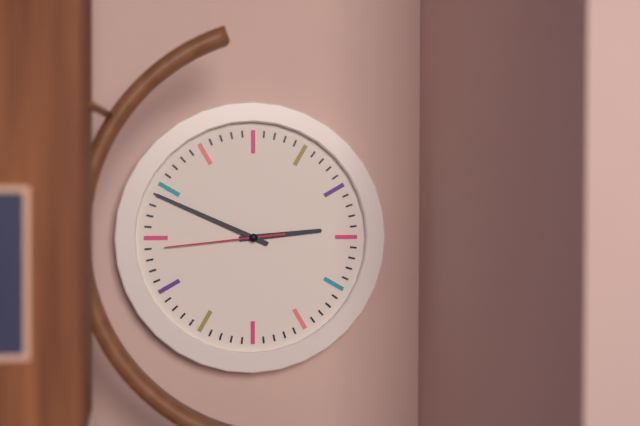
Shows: h=2 m=49 s=44
